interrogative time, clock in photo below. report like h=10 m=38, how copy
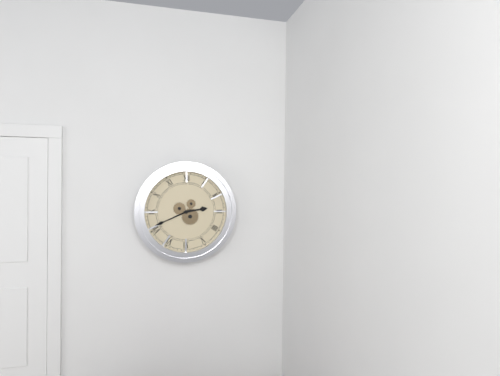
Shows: h=2 m=41
